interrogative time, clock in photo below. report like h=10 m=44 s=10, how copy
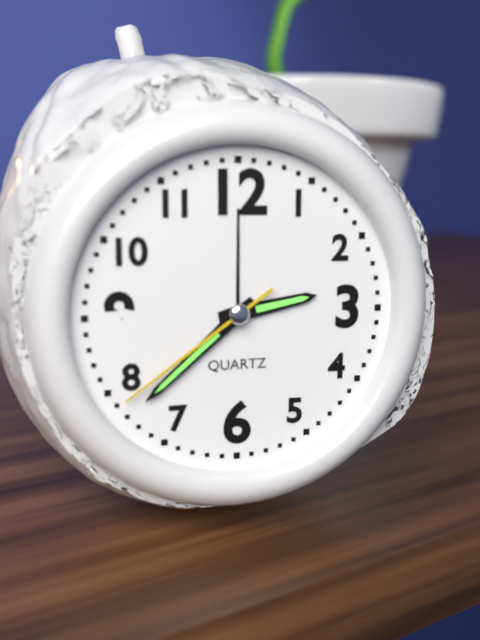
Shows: h=2 m=38 s=39
